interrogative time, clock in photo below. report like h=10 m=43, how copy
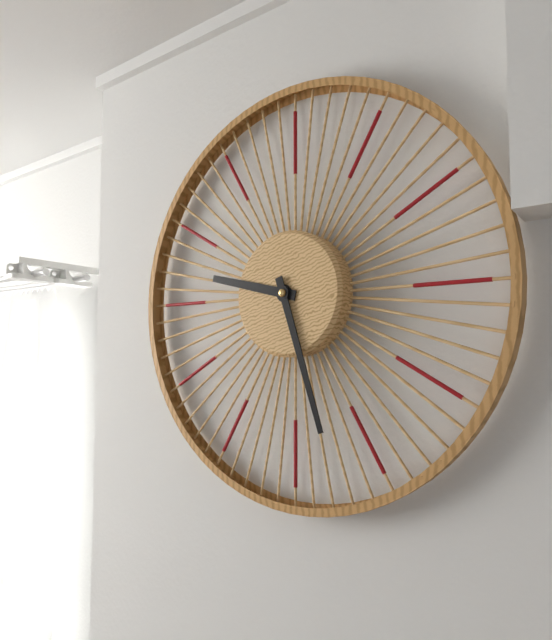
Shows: h=9 m=27
